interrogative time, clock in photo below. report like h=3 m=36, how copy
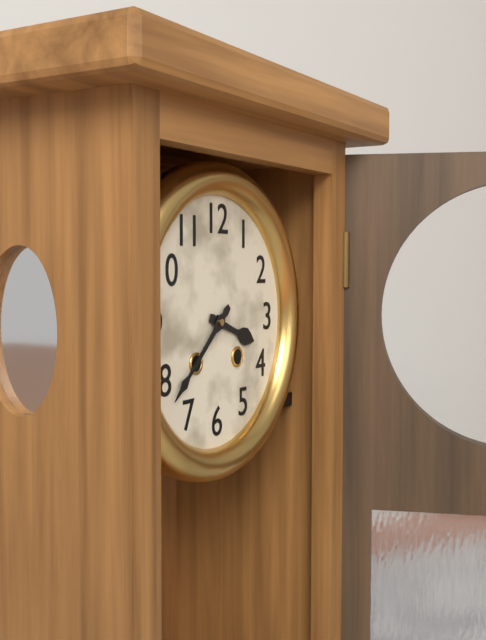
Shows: h=3 m=38
